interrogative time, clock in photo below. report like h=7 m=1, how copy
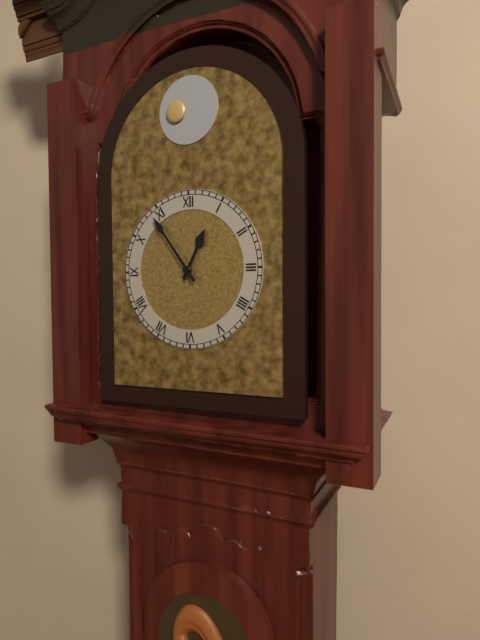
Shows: h=12 m=54
